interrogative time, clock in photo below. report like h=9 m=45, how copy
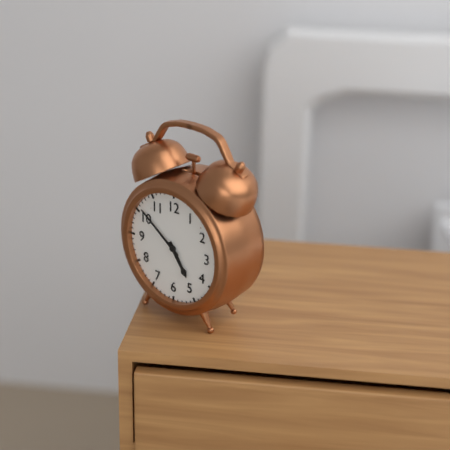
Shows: h=4 m=51
